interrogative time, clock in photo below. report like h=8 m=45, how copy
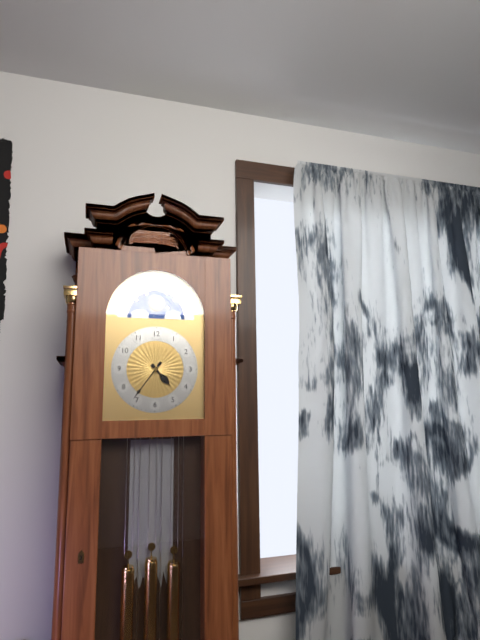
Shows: h=4 m=36
